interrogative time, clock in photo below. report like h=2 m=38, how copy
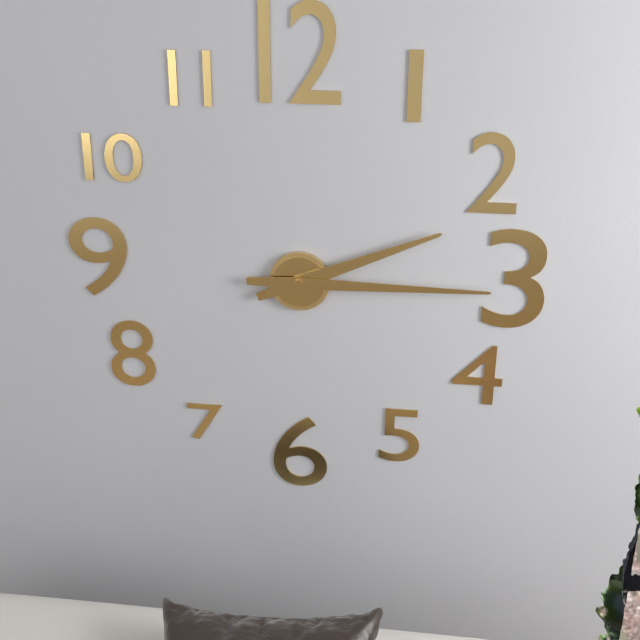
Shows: h=2 m=15
